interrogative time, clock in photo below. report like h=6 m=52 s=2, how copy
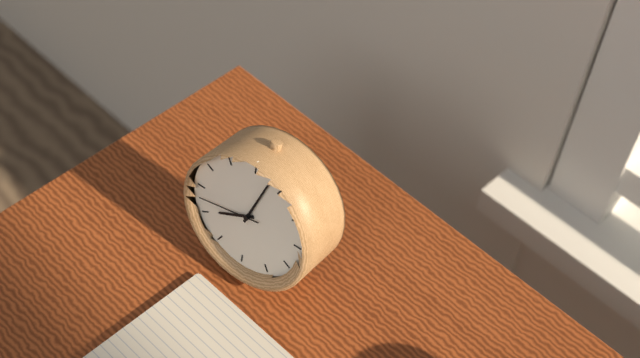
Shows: h=8 m=3 s=43
